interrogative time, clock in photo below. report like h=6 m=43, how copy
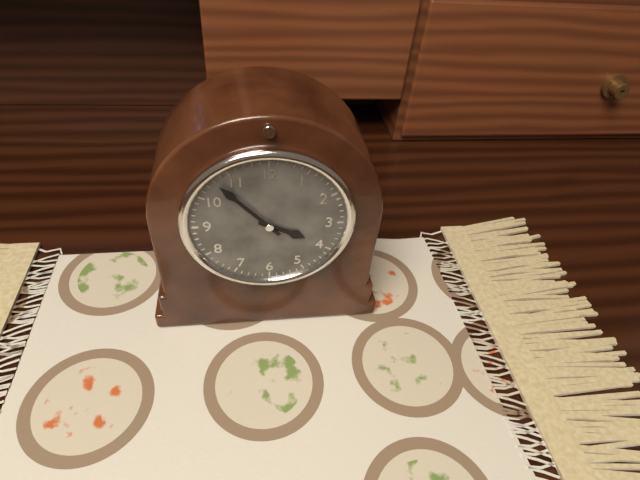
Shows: h=3 m=53
